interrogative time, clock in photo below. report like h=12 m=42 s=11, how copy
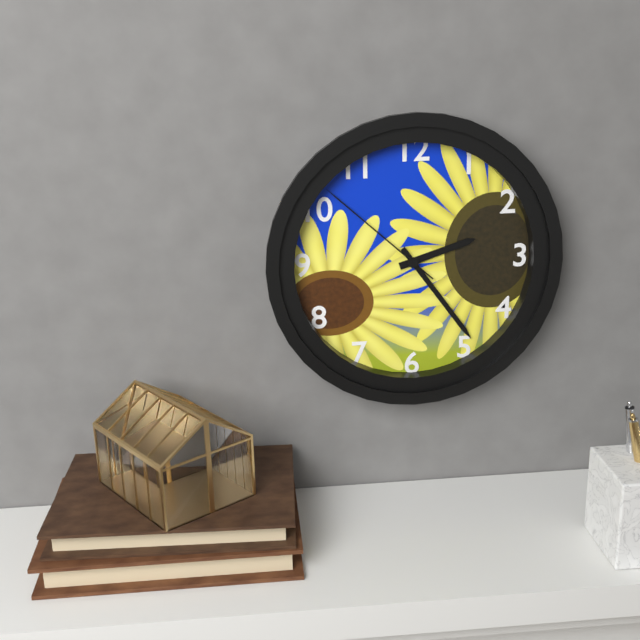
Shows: h=2 m=24 s=52
